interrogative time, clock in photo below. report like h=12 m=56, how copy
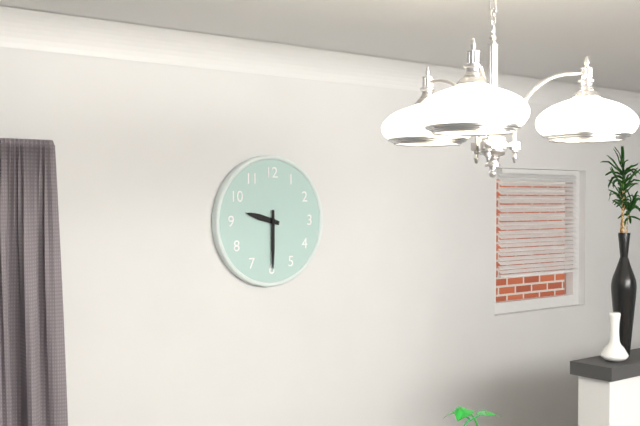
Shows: h=9 m=30
